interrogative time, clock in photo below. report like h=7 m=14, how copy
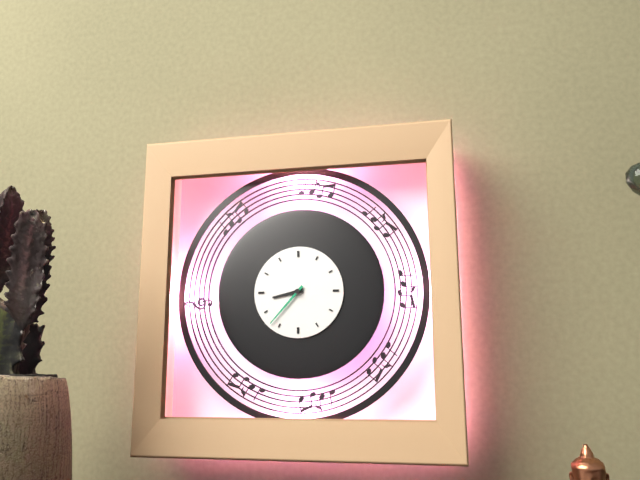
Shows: h=8 m=37
